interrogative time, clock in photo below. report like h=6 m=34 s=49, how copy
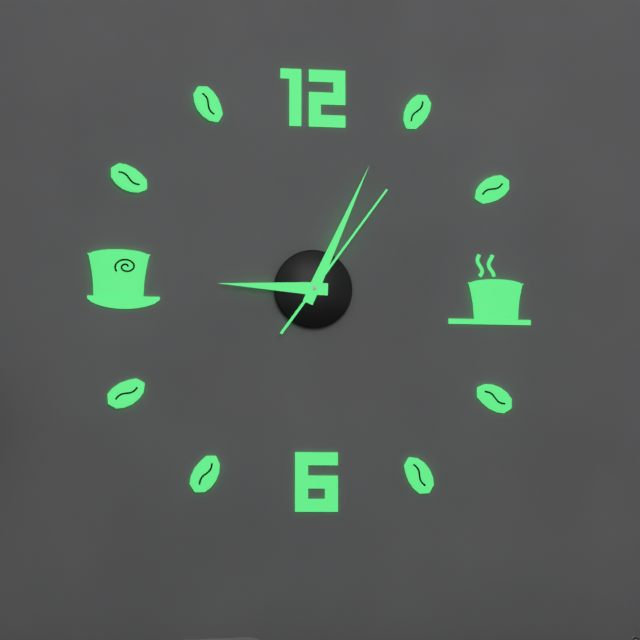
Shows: h=9 m=4 s=6
